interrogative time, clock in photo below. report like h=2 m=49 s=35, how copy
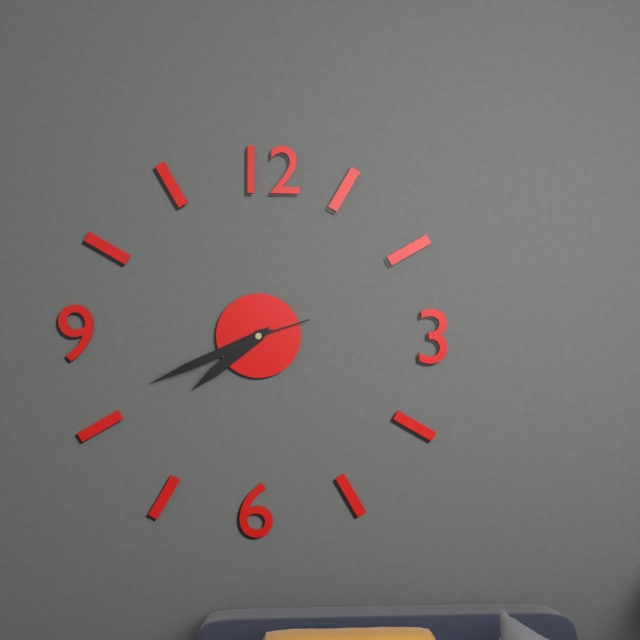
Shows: h=7 m=41 s=12
